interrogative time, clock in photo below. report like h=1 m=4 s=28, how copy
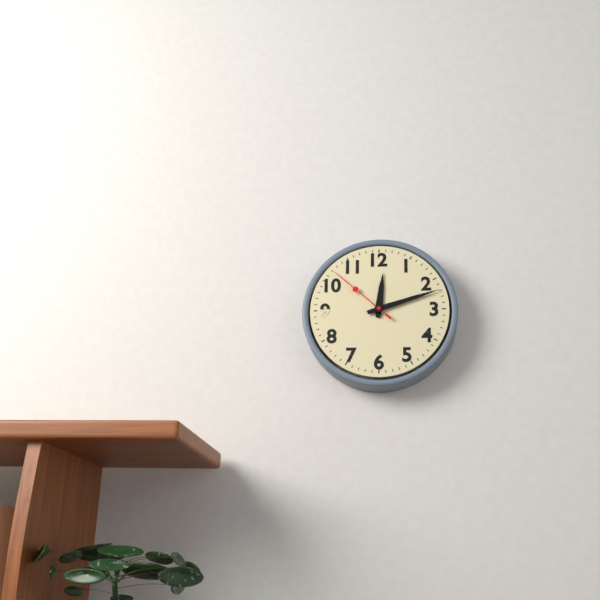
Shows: h=12 m=12 s=52
